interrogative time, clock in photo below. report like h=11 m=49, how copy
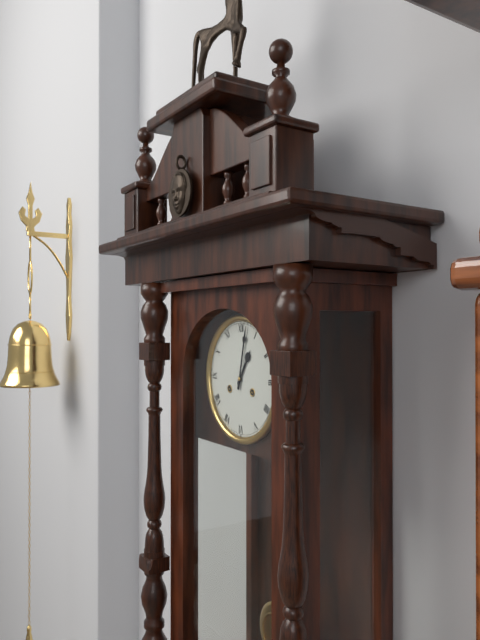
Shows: h=1 m=2
